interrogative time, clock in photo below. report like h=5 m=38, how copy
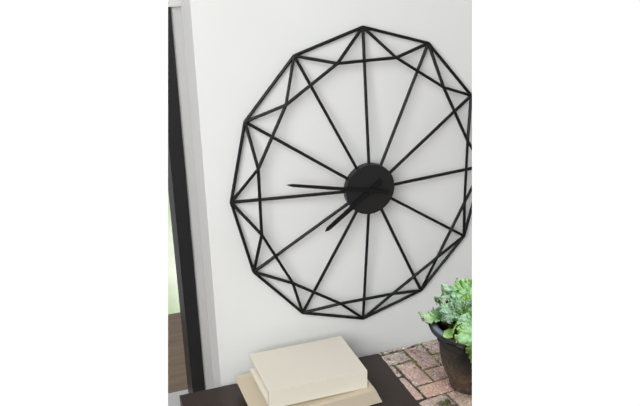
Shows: h=7 m=47
